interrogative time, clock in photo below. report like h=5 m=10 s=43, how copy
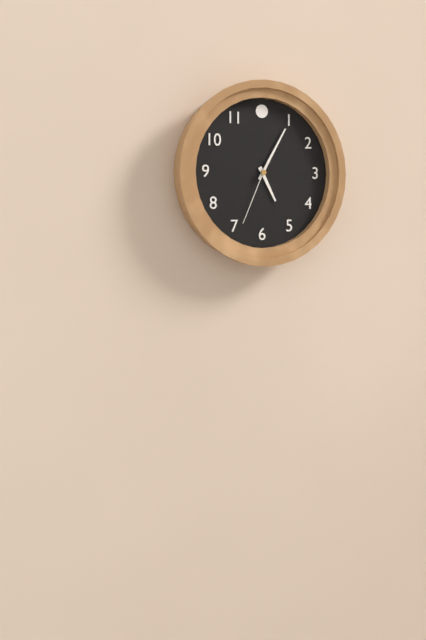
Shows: h=5 m=5 s=34
